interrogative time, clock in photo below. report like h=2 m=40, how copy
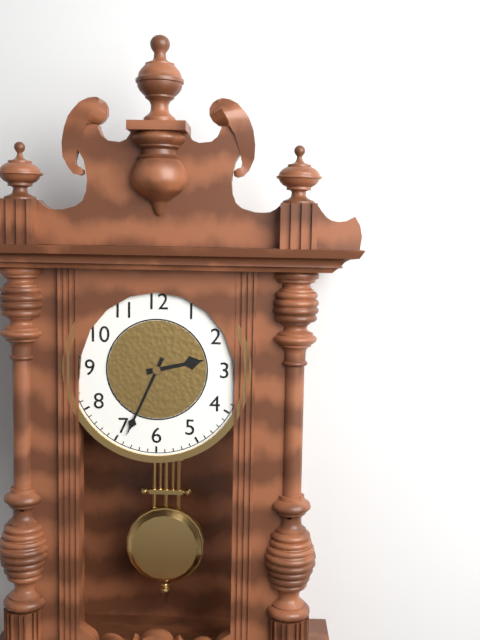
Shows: h=2 m=34
